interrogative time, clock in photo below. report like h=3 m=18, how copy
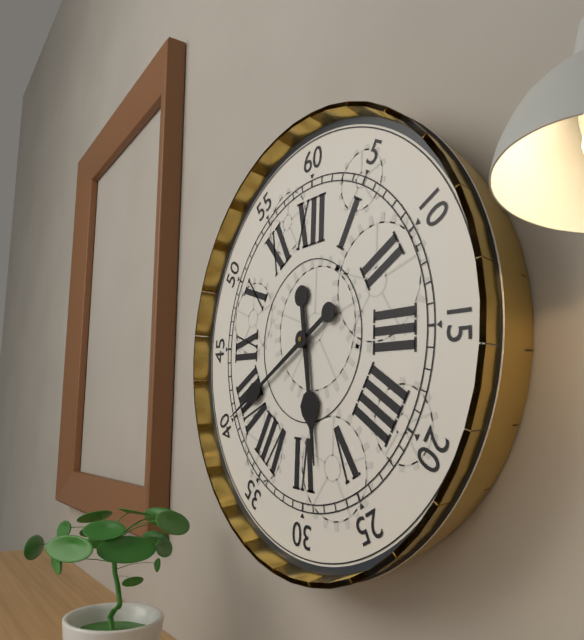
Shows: h=5 m=40
